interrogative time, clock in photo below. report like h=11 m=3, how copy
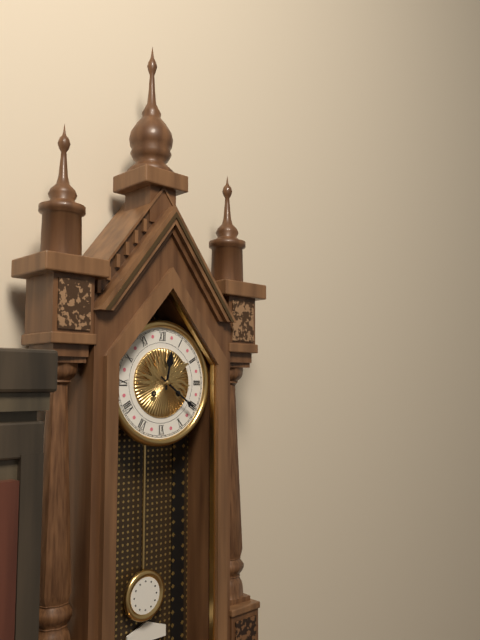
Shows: h=12 m=21
